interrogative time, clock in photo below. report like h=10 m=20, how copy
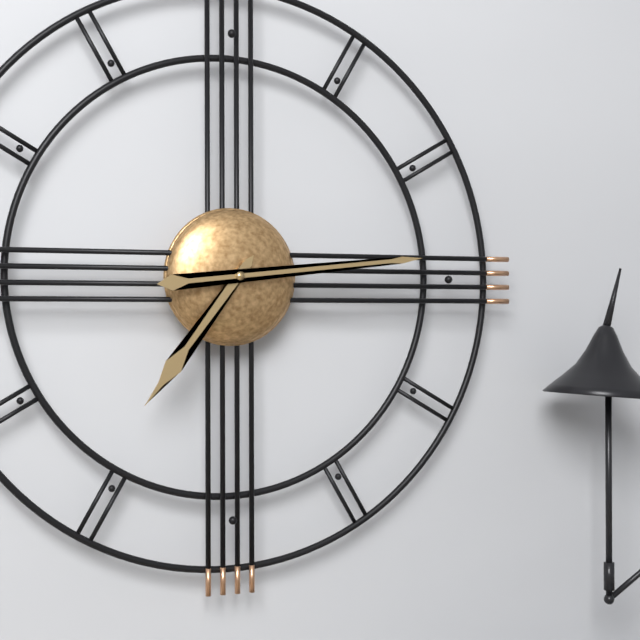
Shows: h=7 m=14
